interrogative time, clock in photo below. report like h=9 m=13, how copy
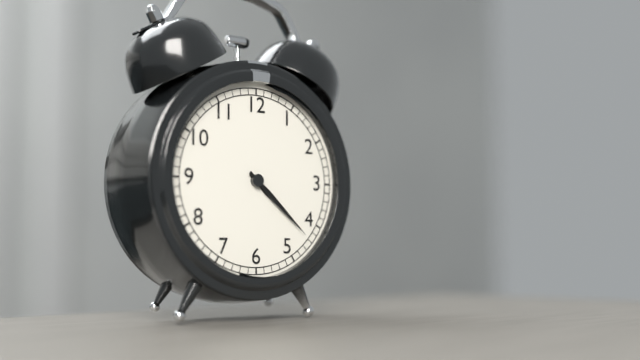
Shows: h=4 m=22
